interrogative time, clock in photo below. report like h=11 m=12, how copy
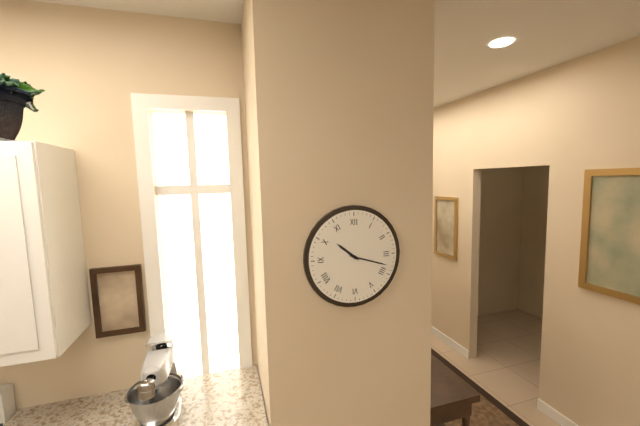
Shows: h=10 m=18
